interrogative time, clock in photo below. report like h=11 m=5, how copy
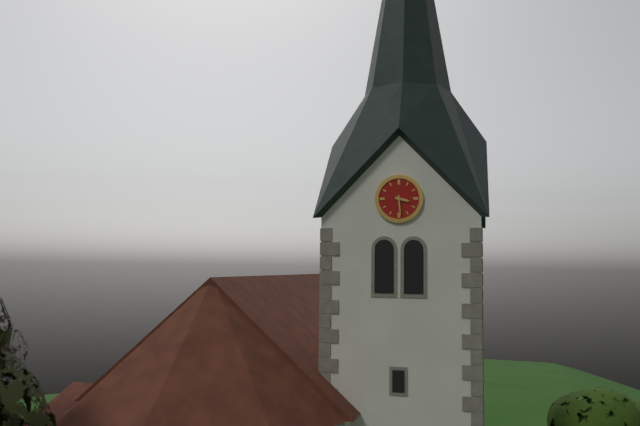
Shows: h=3 m=29
